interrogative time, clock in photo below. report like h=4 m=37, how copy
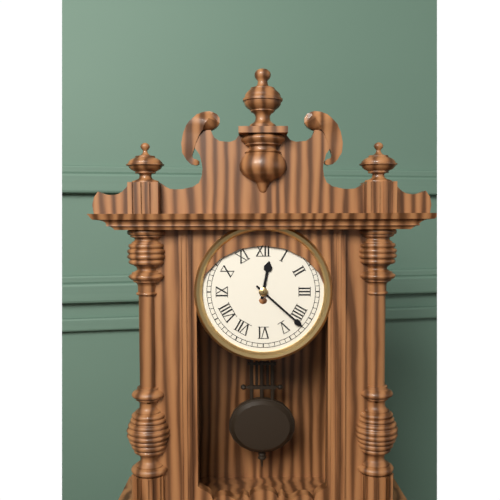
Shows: h=12 m=22
